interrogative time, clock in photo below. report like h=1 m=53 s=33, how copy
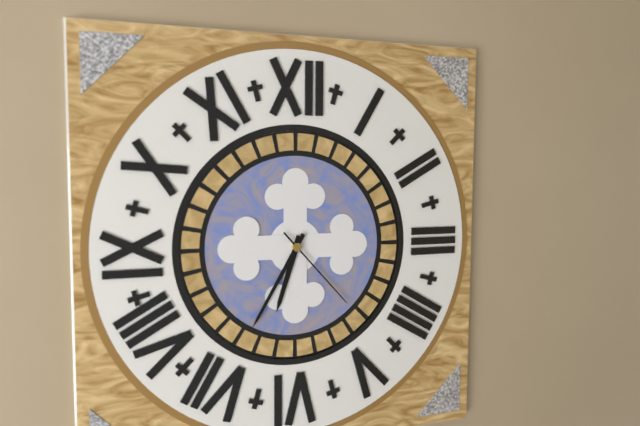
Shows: h=6 m=35 s=23
